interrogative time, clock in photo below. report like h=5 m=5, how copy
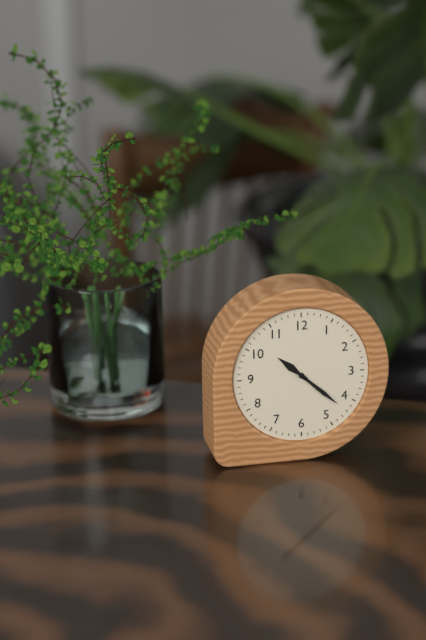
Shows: h=10 m=22
